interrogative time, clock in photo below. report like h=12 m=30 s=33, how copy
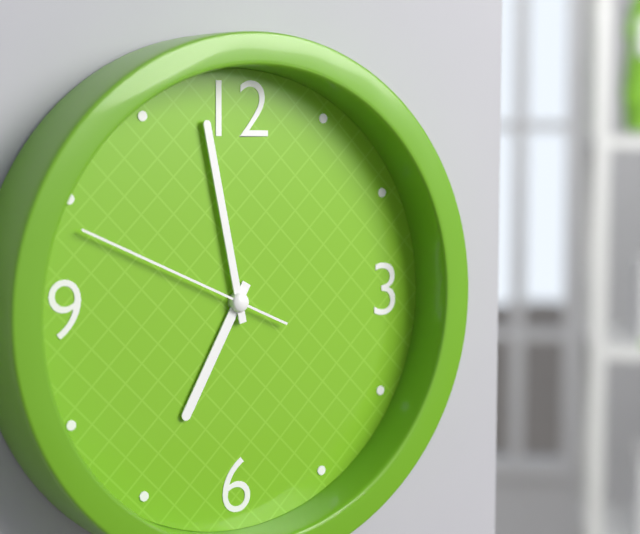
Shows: h=6 m=58 s=49
